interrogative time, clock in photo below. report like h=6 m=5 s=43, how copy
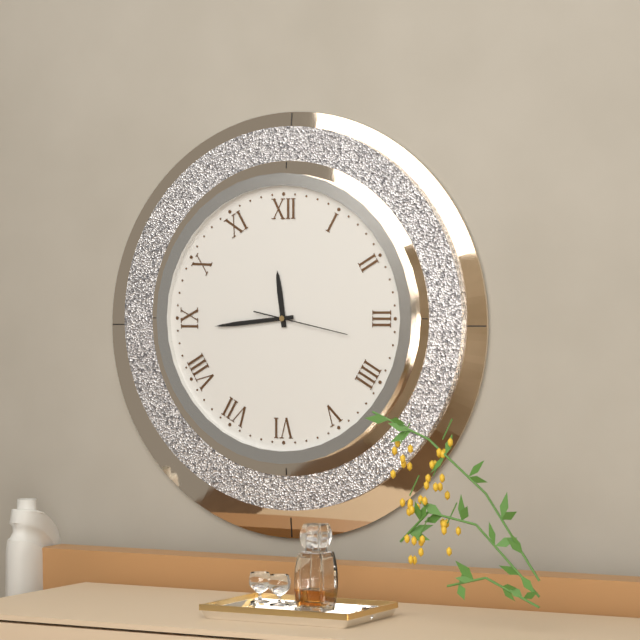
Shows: h=11 m=44 s=17
